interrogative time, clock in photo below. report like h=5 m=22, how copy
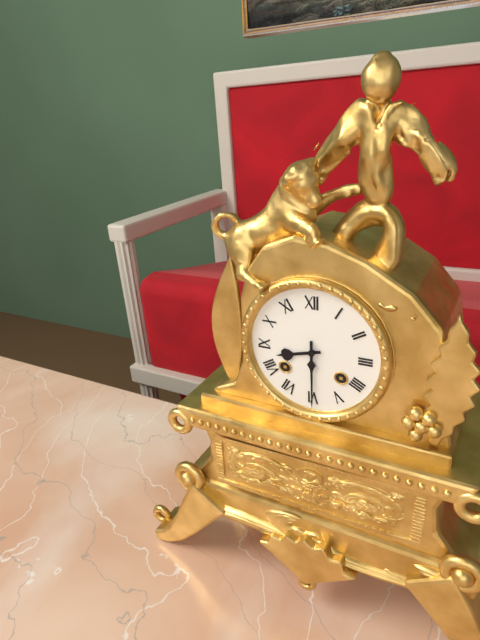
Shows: h=8 m=30
